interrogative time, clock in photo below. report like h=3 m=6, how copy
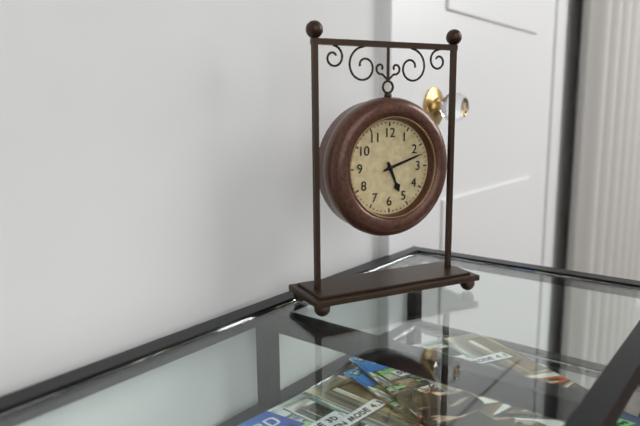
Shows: h=5 m=12
